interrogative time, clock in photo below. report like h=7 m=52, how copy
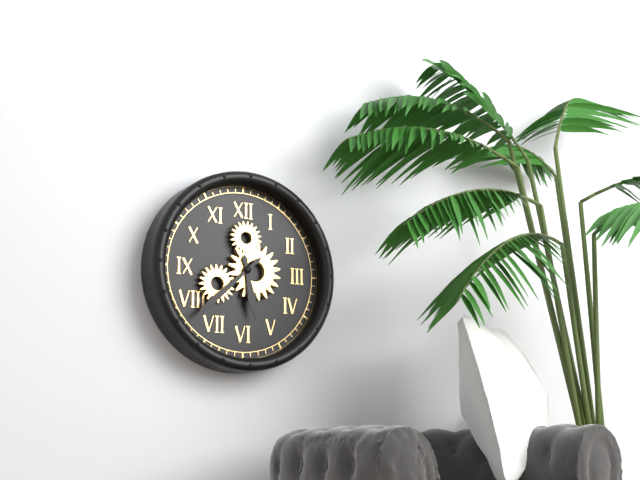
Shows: h=5 m=38
